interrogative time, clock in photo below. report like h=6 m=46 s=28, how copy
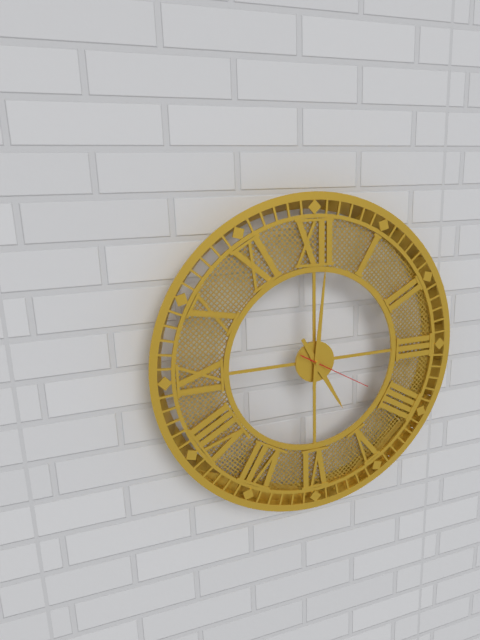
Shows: h=5 m=1 s=20
